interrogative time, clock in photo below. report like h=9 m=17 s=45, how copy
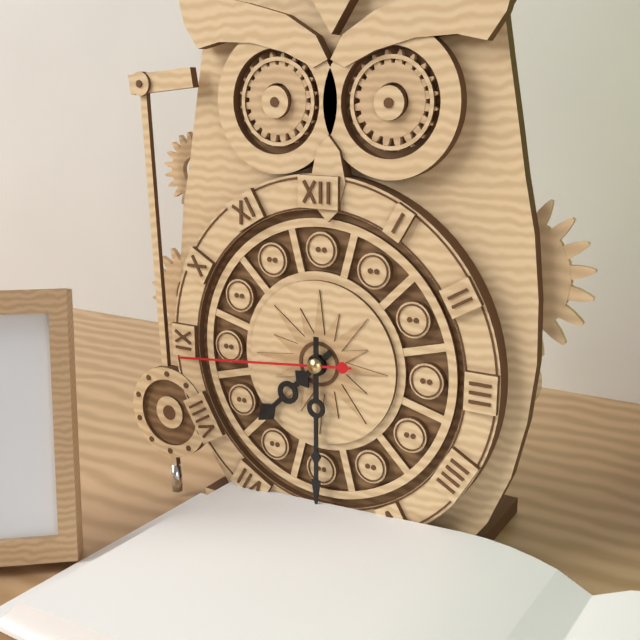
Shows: h=7 m=30 s=44
